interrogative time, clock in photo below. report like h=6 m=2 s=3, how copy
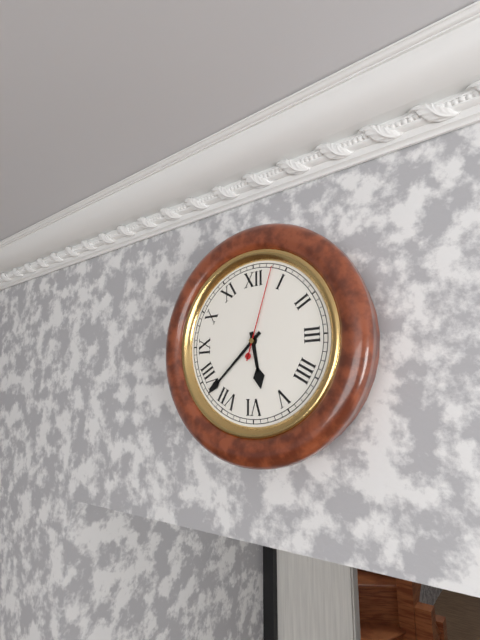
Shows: h=5 m=38 s=3
